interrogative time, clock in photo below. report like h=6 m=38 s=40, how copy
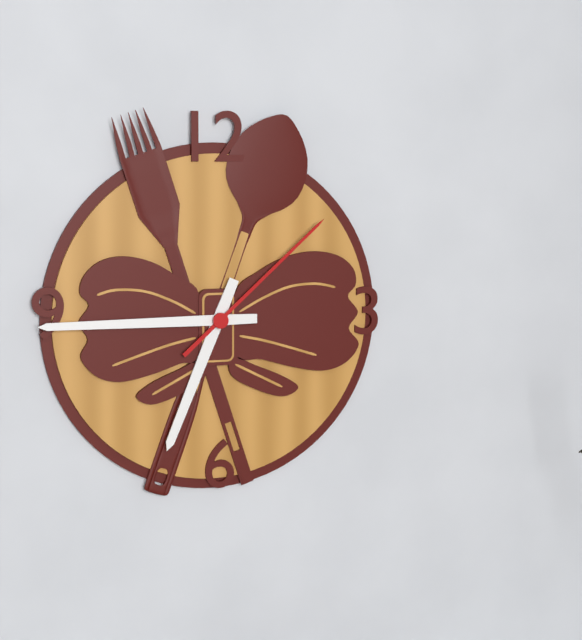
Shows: h=6 m=45 s=8
